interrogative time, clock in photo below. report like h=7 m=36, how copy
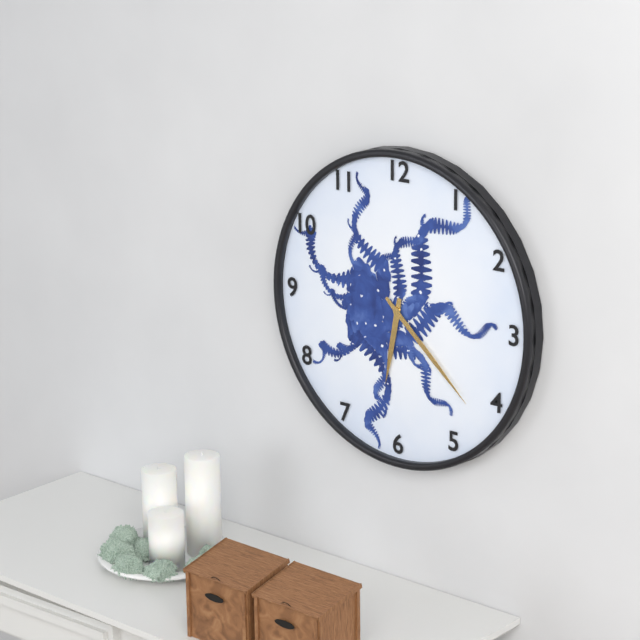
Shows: h=6 m=22
